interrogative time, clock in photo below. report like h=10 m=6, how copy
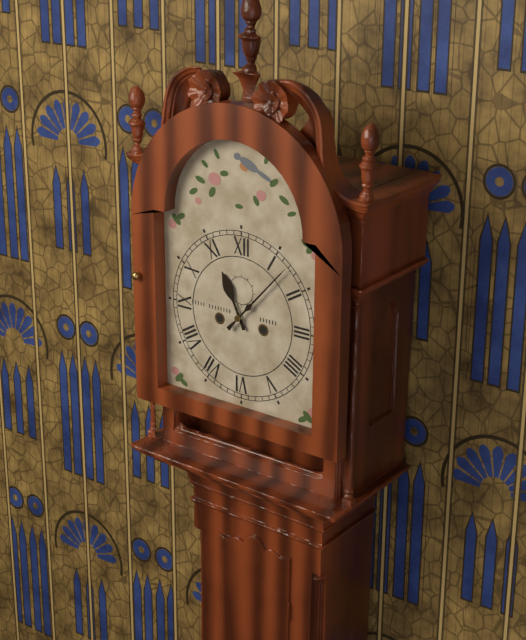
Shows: h=11 m=7
